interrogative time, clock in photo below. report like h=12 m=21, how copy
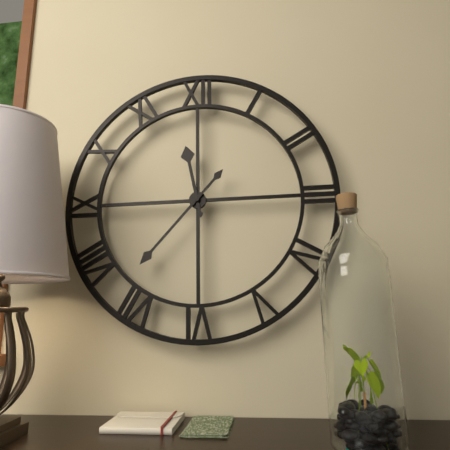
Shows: h=11 m=37
